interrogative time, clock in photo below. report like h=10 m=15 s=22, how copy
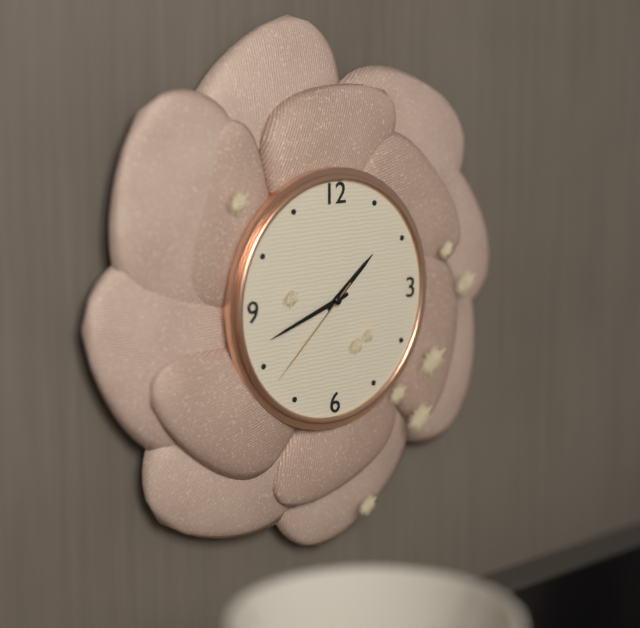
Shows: h=1 m=42 s=38
